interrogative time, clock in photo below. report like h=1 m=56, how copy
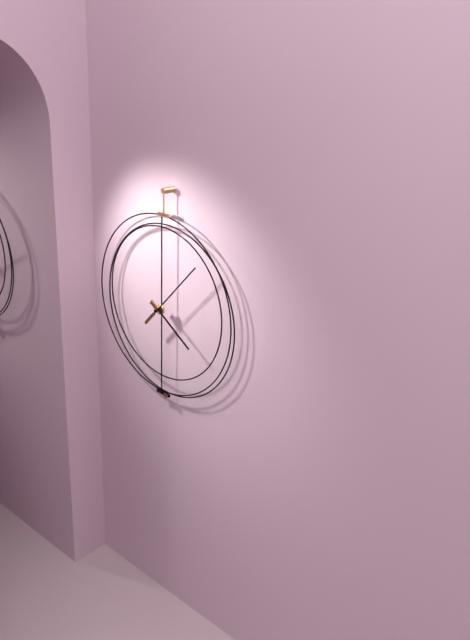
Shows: h=4 m=7
